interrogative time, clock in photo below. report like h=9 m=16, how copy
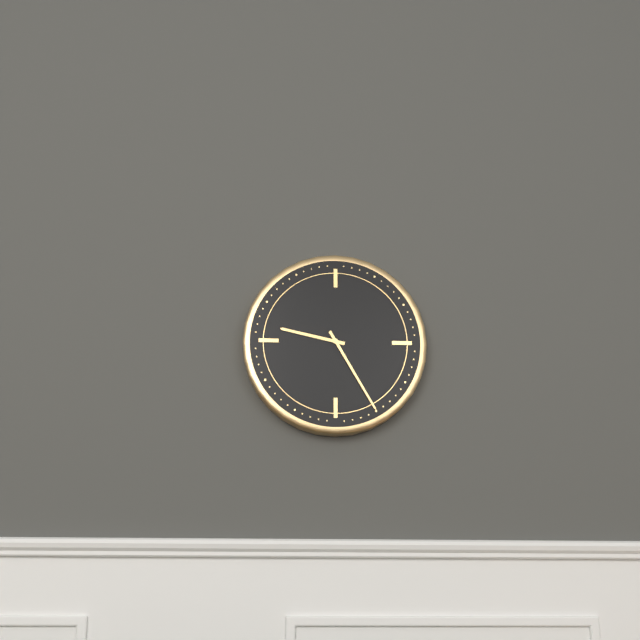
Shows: h=9 m=25
